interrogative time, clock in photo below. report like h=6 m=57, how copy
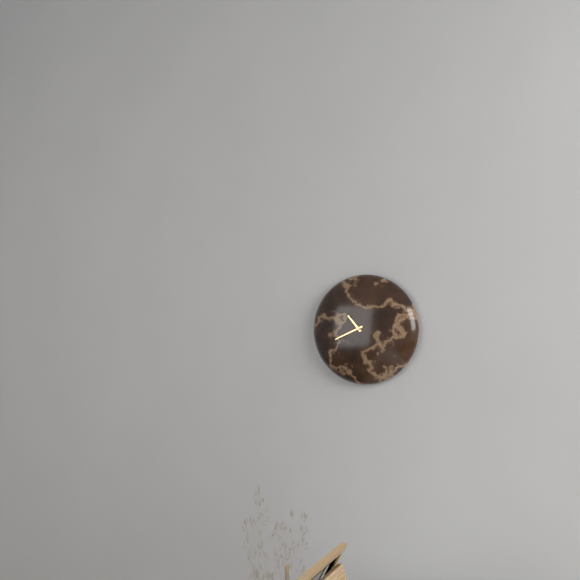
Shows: h=10 m=41
